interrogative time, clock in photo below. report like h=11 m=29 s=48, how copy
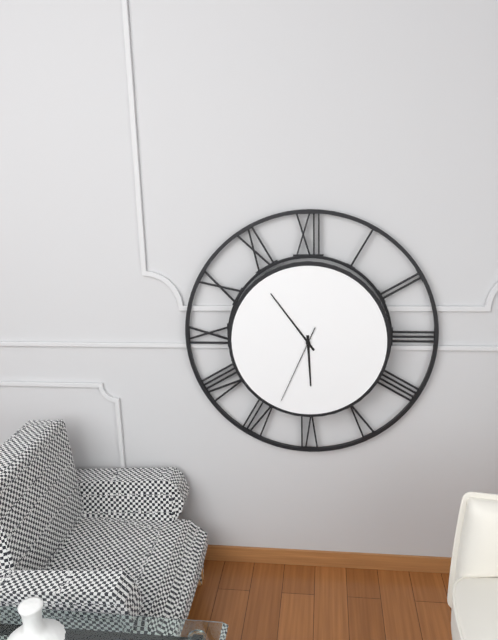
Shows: h=5 m=54 s=34
